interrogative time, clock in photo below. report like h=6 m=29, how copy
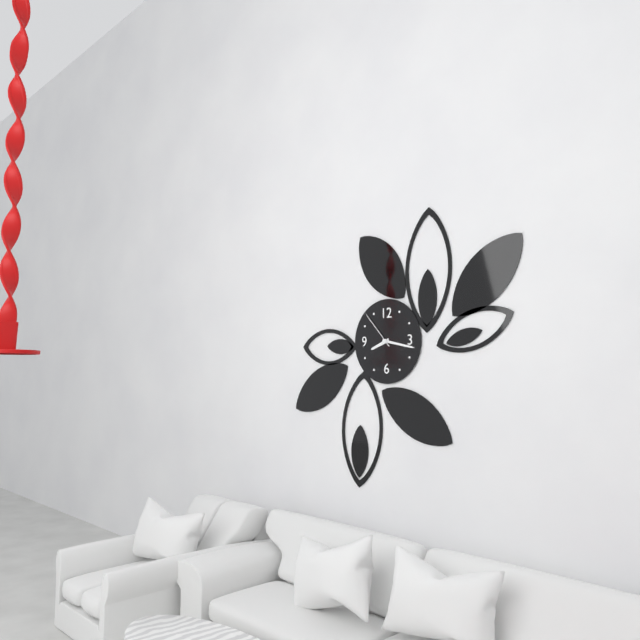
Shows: h=8 m=17
